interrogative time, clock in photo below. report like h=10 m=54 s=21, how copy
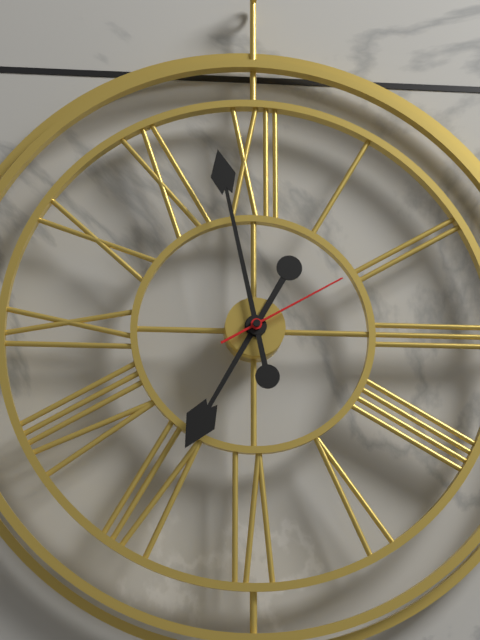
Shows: h=6 m=58 s=10
